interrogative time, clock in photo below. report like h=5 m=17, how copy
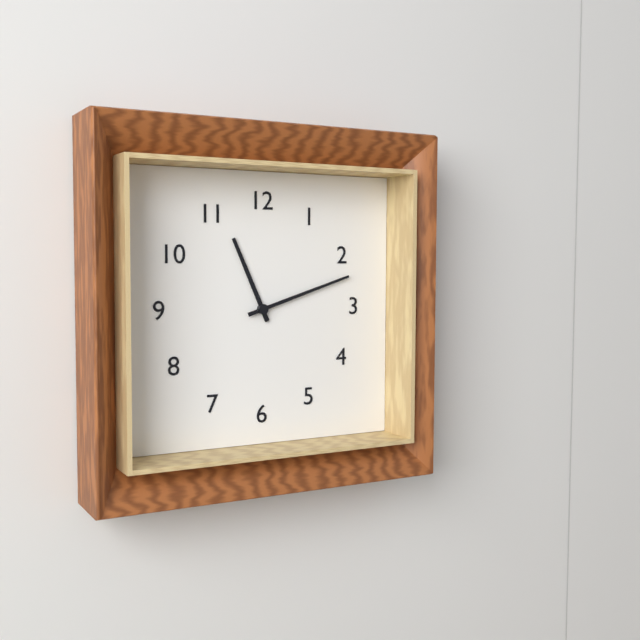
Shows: h=11 m=12
